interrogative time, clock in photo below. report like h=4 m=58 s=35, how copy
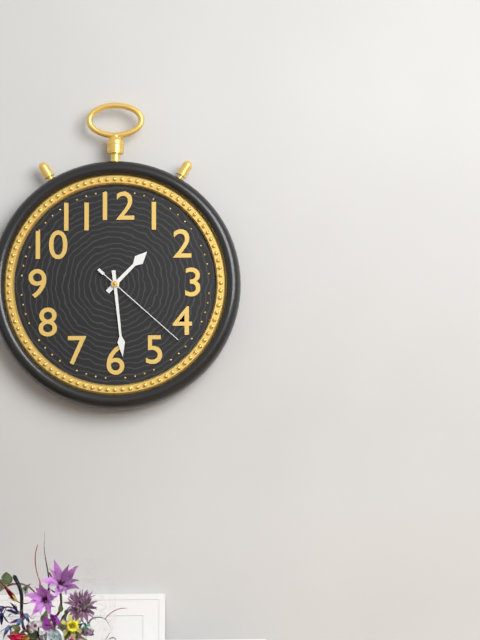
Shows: h=1 m=29 s=22
